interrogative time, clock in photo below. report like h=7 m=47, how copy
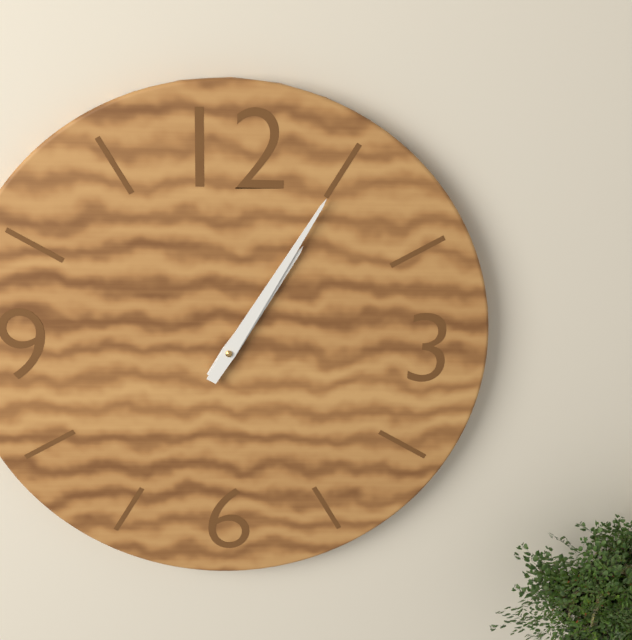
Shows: h=1 m=5
